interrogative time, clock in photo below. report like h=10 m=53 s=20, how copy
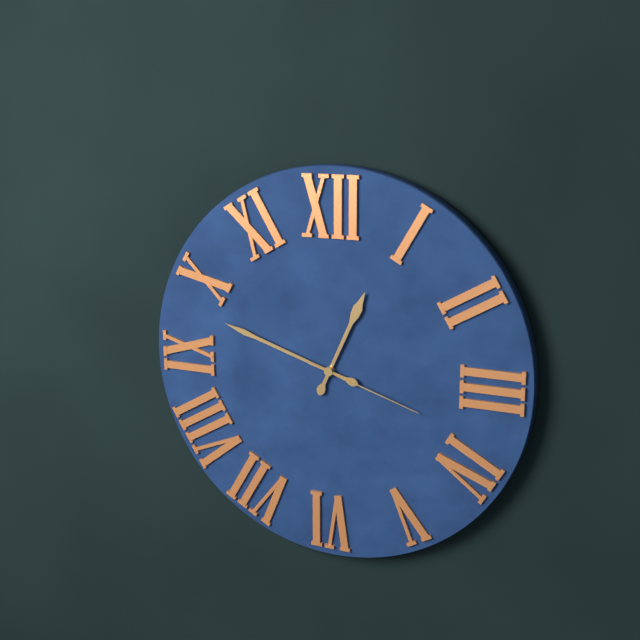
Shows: h=12 m=48 s=18
